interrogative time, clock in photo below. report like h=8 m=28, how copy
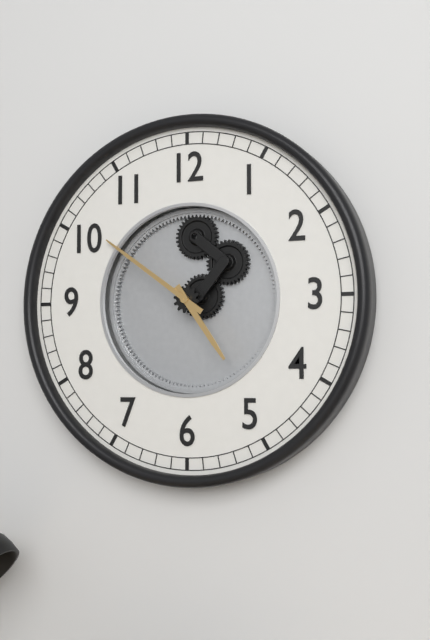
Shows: h=4 m=51
